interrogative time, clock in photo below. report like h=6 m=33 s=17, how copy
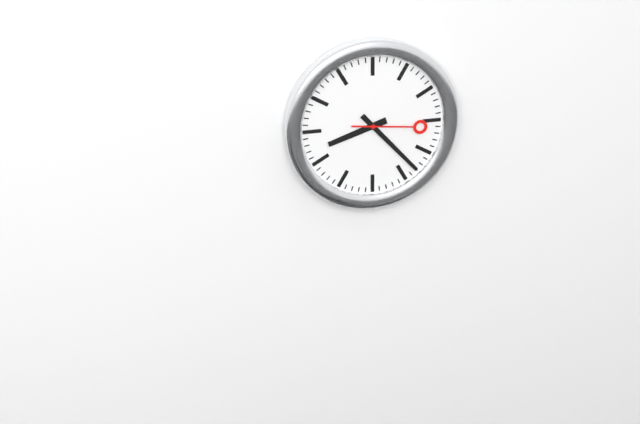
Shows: h=8 m=23 s=16
